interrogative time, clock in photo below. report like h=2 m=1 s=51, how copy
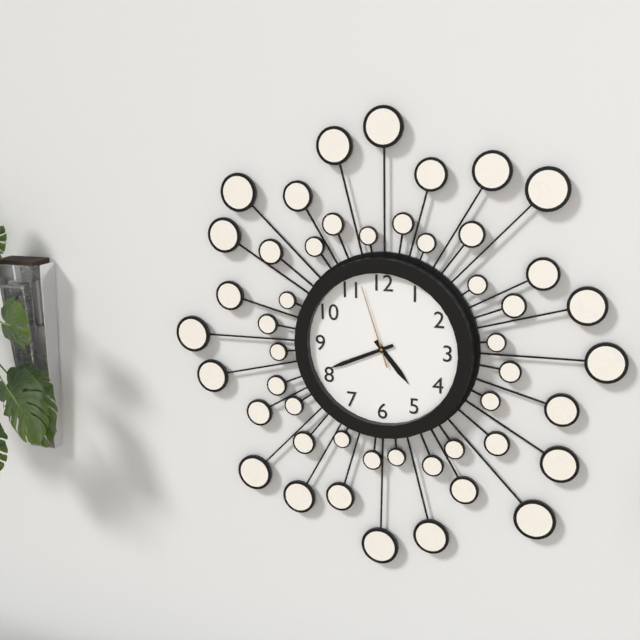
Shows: h=4 m=41 s=57
